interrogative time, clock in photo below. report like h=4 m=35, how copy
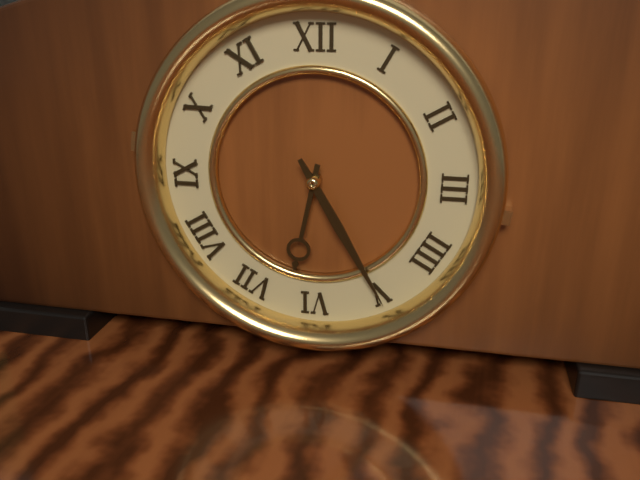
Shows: h=6 m=25
